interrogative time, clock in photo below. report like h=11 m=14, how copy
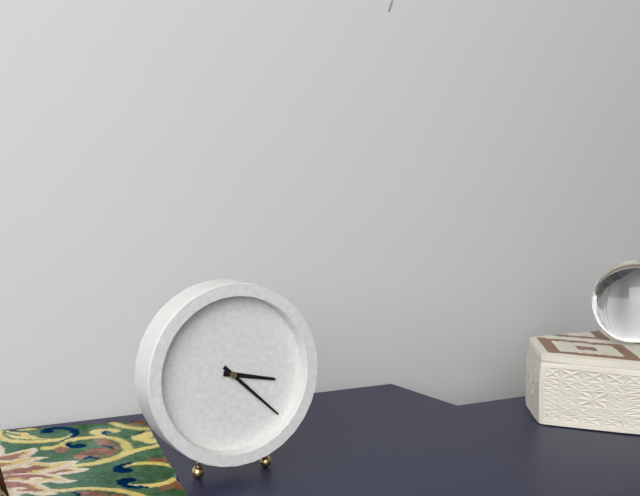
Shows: h=3 m=22
